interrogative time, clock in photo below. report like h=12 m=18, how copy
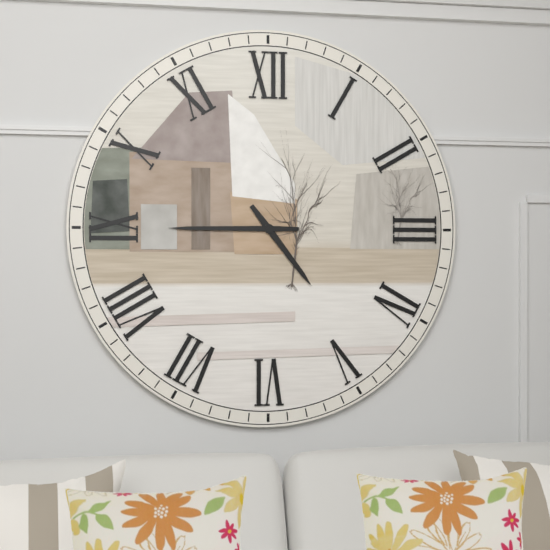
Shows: h=4 m=45
